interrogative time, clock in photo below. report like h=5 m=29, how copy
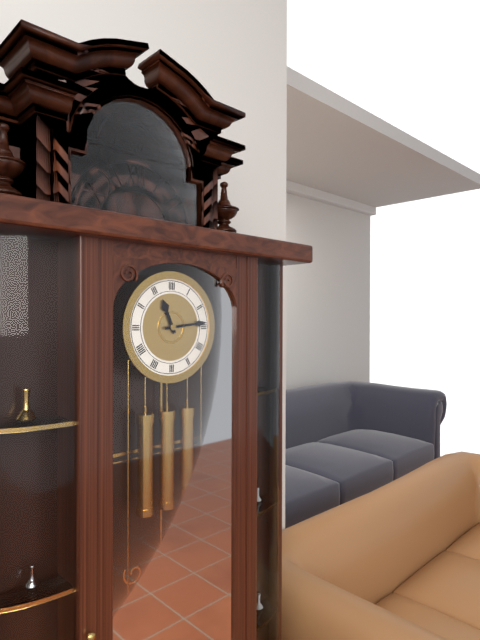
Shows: h=11 m=14
